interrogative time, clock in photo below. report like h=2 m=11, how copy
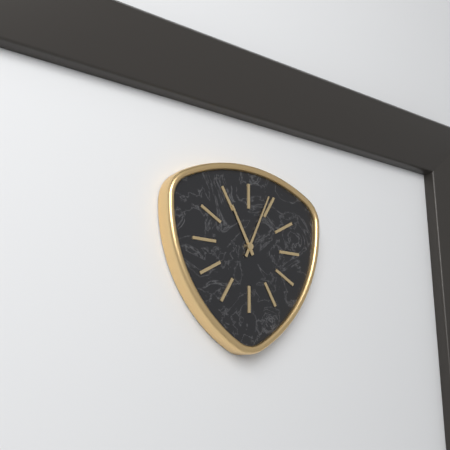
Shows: h=11 m=4
